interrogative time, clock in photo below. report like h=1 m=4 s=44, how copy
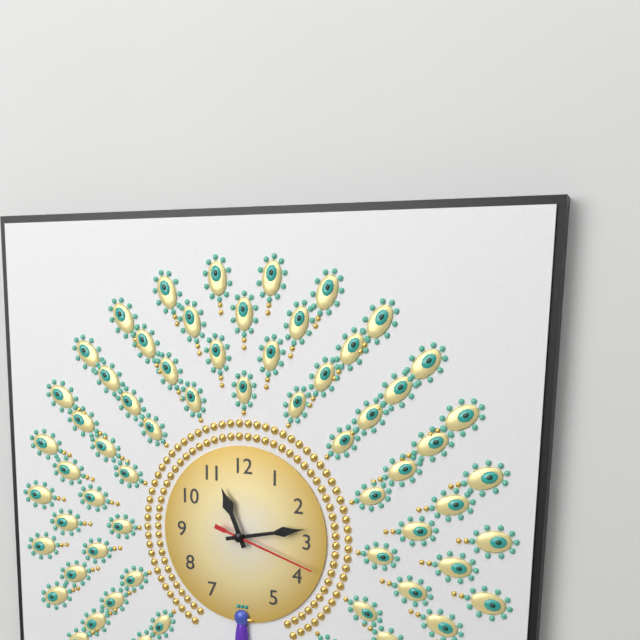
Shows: h=11 m=13 s=18
